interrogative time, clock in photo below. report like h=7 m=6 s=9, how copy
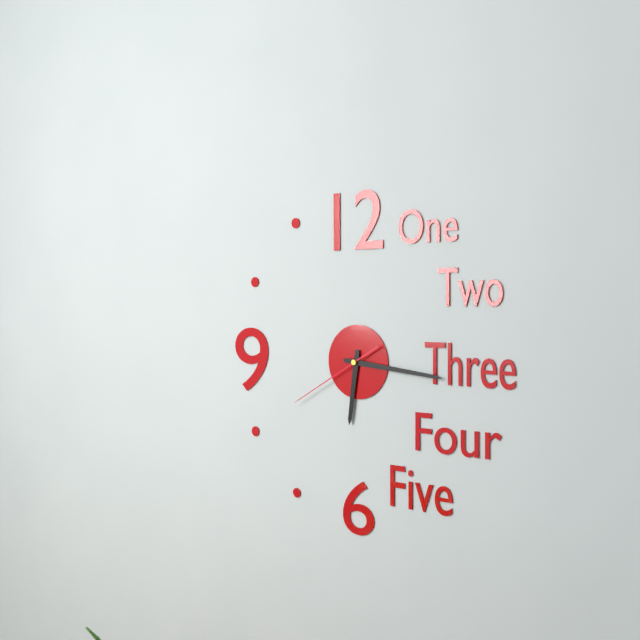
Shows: h=6 m=16 s=40
